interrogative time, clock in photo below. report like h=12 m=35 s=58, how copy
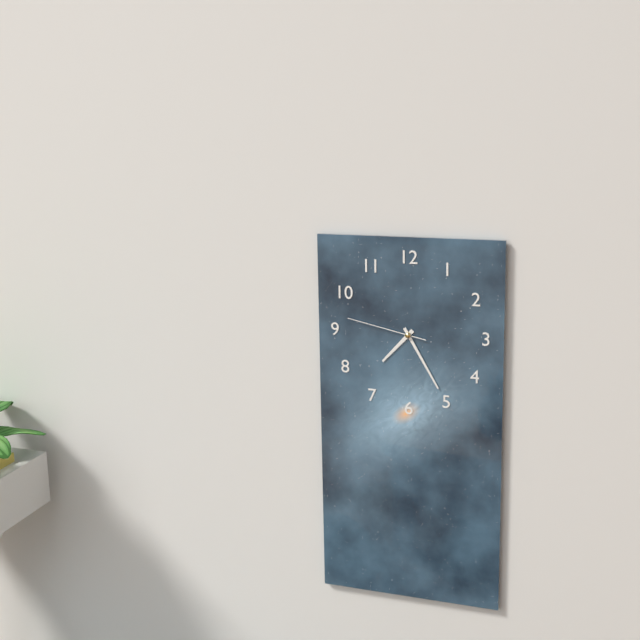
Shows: h=7 m=25 s=47
